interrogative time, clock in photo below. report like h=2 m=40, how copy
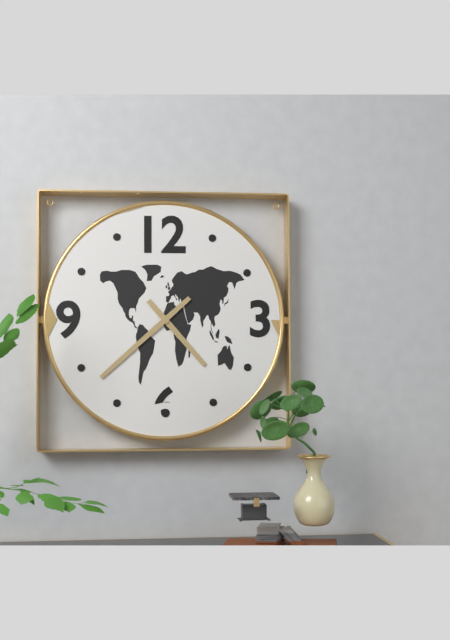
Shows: h=4 m=38
